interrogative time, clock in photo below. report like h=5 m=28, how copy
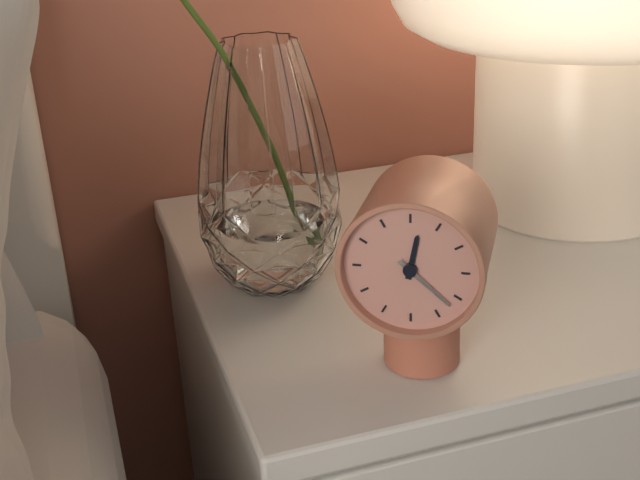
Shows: h=12 m=22
